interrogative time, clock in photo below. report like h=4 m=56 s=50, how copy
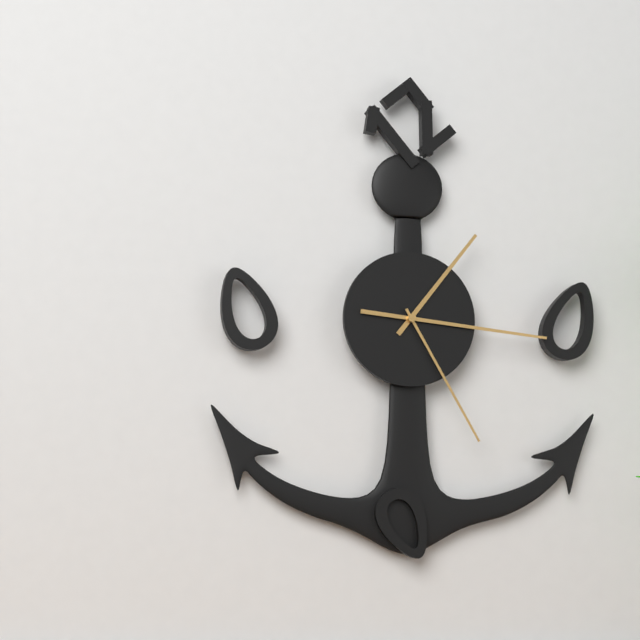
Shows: h=1 m=16 s=25
